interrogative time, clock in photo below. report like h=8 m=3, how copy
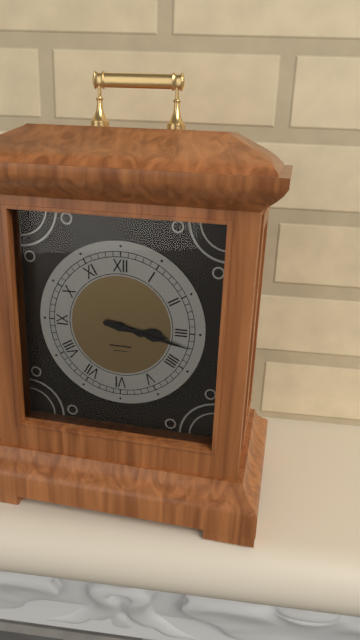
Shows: h=3 m=17
